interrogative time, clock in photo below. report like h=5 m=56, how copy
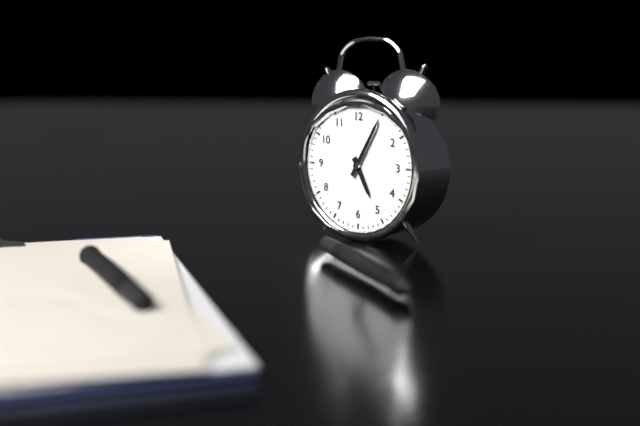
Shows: h=5 m=5
